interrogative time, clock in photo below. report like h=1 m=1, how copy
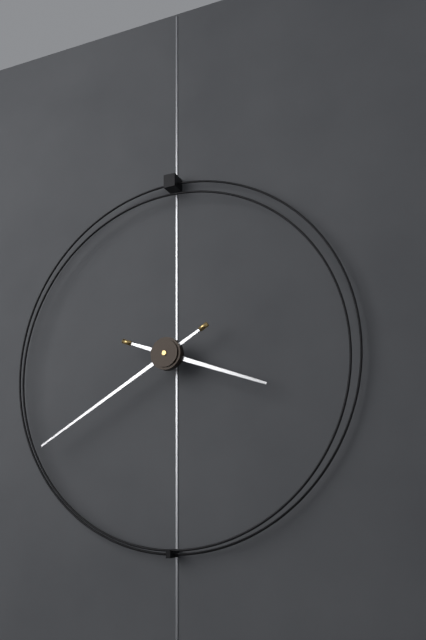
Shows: h=3 m=40
